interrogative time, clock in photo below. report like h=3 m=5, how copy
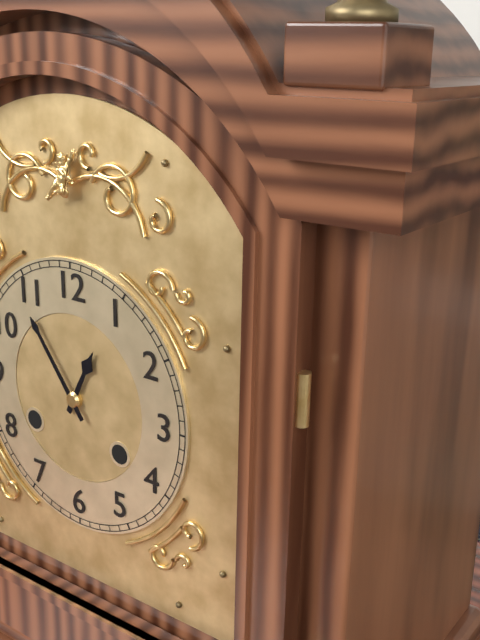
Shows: h=12 m=54
